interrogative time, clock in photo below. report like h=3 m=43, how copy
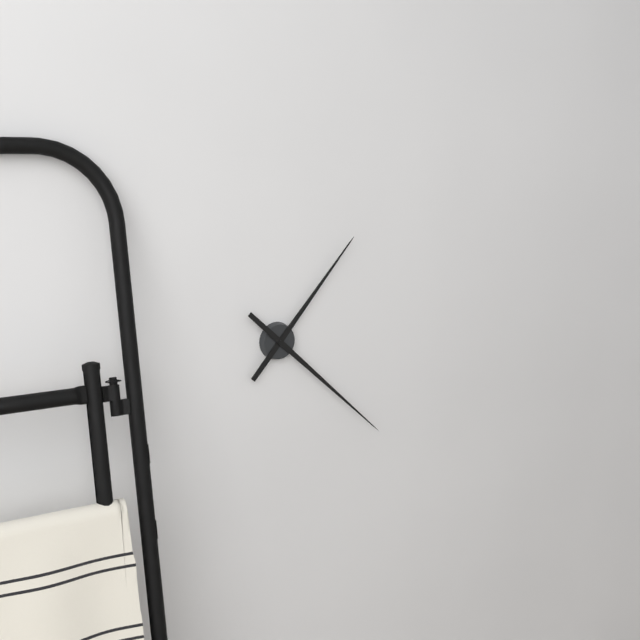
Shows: h=1 m=22
